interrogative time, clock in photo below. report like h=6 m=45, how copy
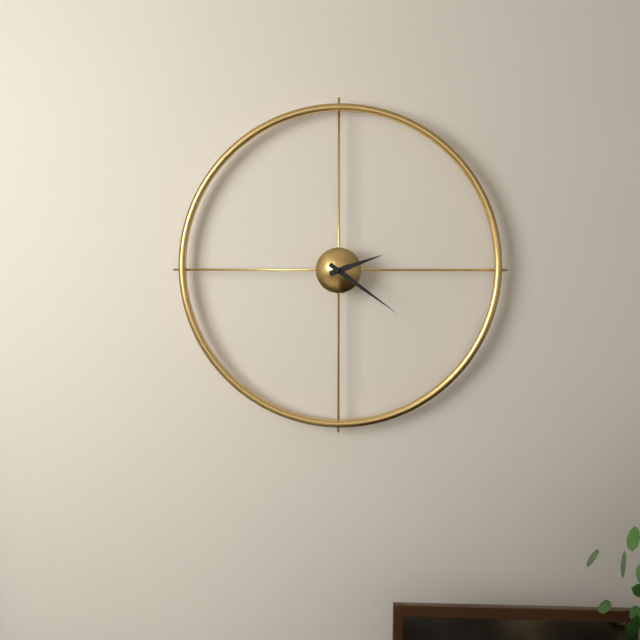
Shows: h=2 m=21
